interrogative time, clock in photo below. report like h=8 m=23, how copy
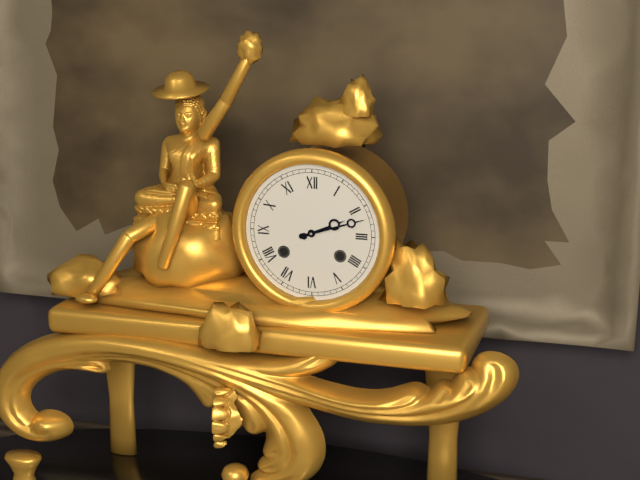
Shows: h=2 m=12
